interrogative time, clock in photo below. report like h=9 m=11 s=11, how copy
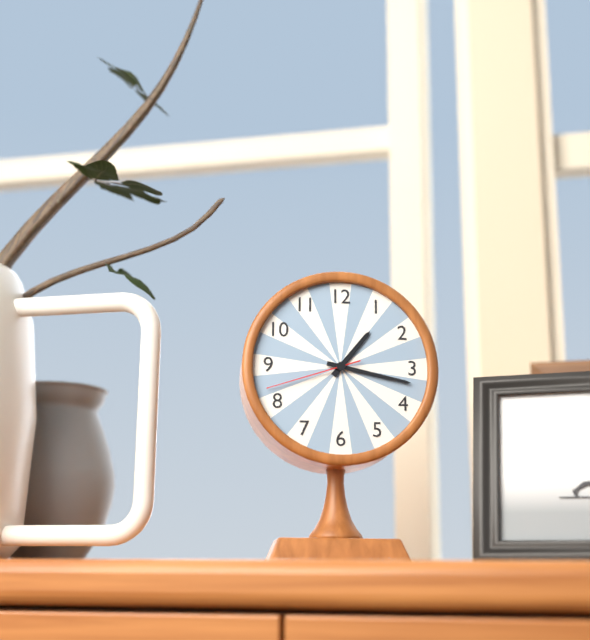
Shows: h=1 m=17 s=42
